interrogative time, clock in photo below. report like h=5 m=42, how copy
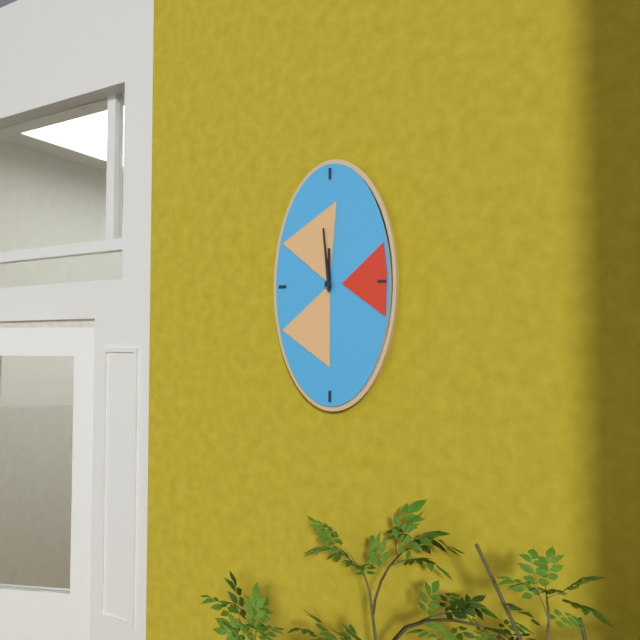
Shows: h=11 m=59
